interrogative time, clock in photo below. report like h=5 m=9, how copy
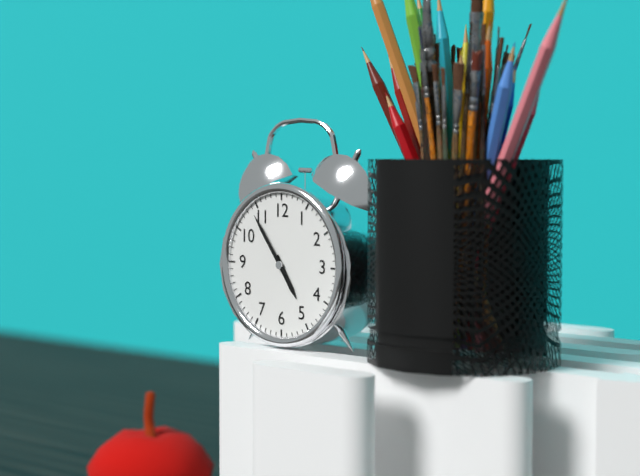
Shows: h=4 m=54
